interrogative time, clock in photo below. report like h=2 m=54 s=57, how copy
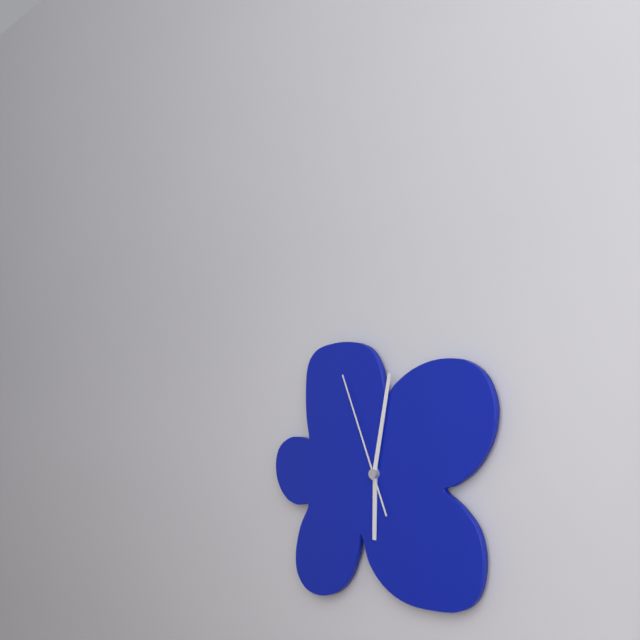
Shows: h=6 m=2 s=56
